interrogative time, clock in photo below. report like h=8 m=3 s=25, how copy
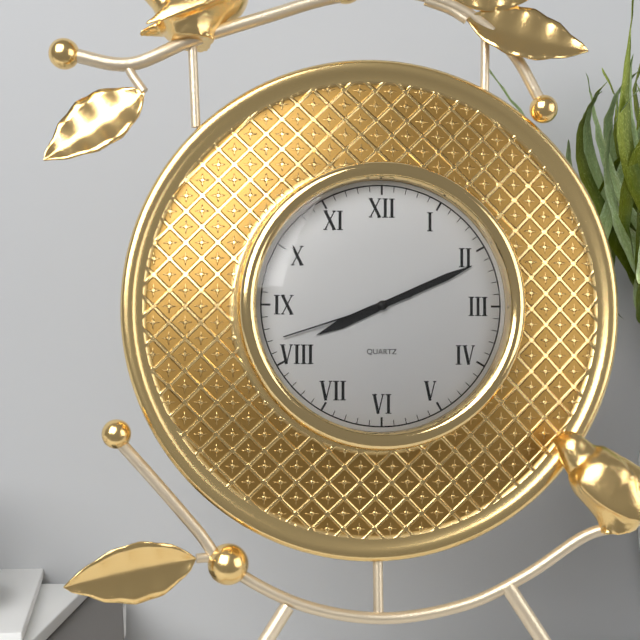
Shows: h=8 m=11 s=42
